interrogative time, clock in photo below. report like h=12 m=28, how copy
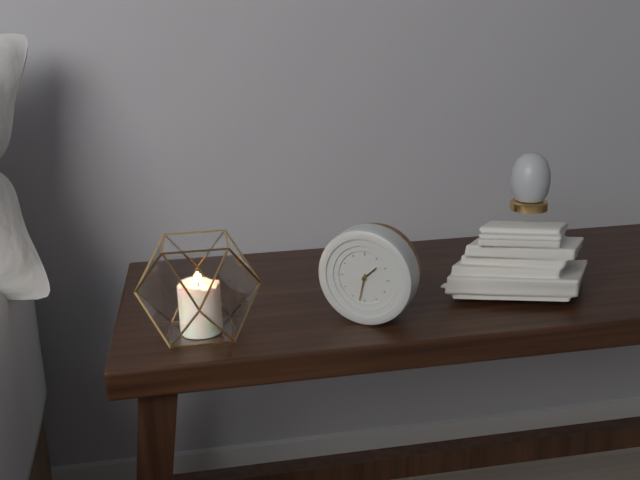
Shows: h=1 m=32
